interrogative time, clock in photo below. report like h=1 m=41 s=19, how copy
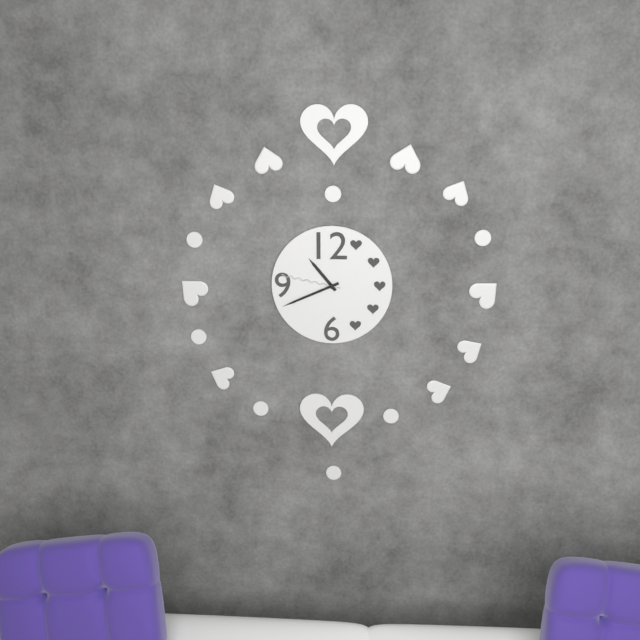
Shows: h=10 m=41 s=47
